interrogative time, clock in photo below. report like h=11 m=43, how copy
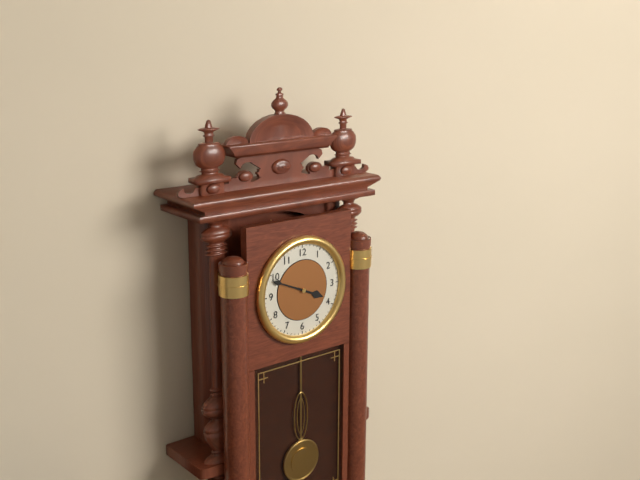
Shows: h=3 m=49
